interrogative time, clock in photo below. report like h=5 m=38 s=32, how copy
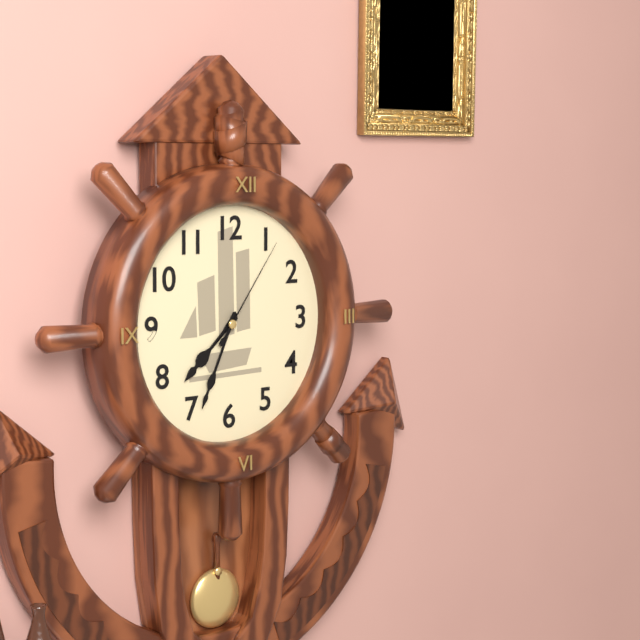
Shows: h=7 m=34 s=6
